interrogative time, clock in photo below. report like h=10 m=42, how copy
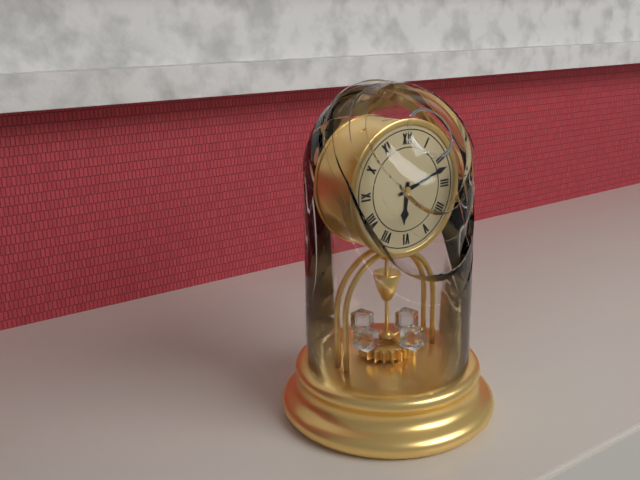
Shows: h=6 m=12
